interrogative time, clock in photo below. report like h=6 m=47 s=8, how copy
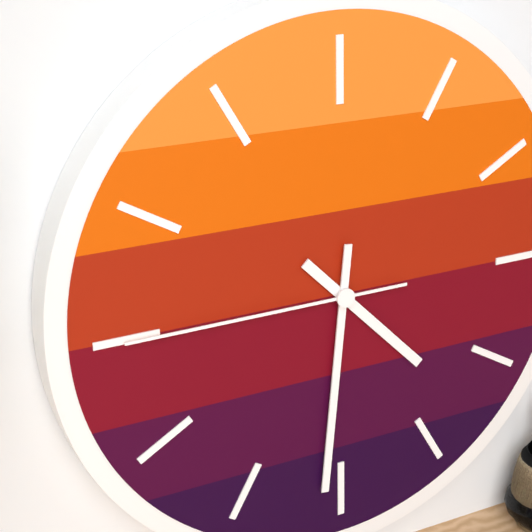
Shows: h=4 m=31 s=45
